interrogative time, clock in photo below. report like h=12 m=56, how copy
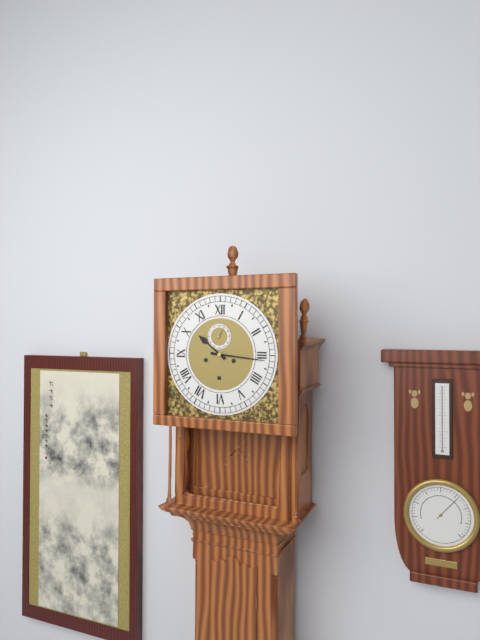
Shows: h=10 m=16
